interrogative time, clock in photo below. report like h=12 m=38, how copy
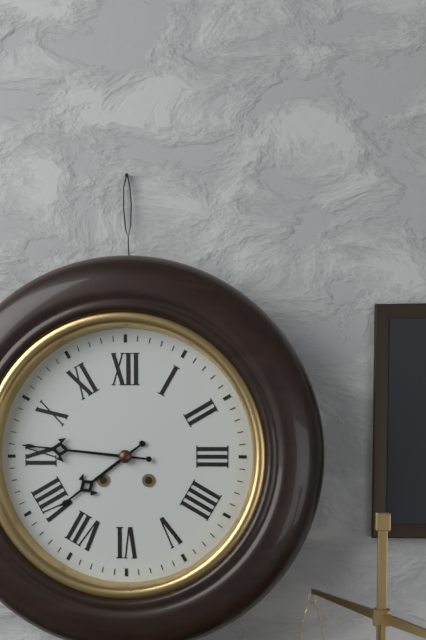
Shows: h=7 m=46
